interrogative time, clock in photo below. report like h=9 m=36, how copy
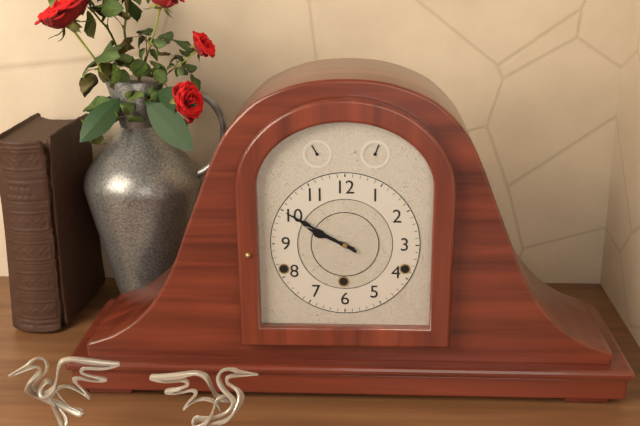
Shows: h=9 m=50
